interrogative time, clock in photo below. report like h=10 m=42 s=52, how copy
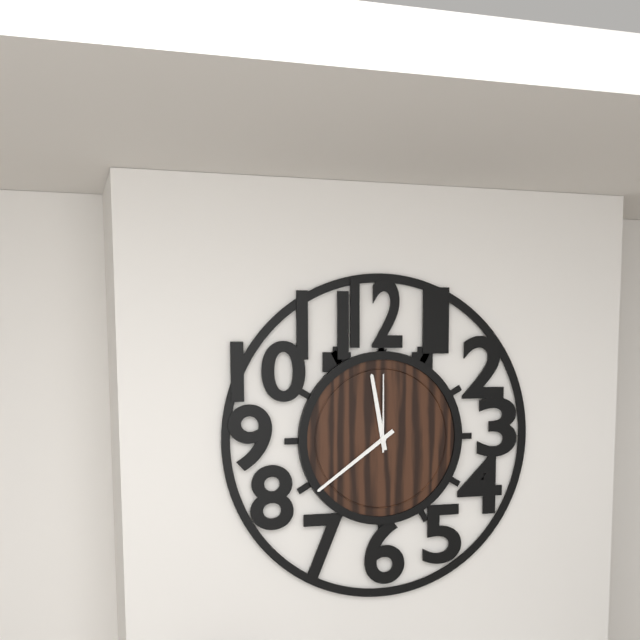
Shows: h=11 m=39 s=0
